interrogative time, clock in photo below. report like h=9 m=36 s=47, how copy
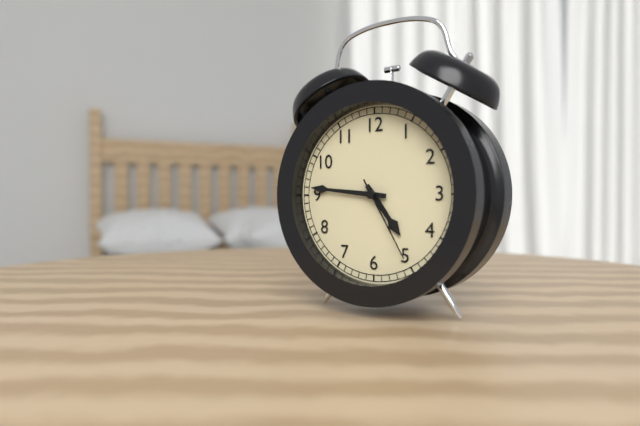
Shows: h=4 m=46 s=25
